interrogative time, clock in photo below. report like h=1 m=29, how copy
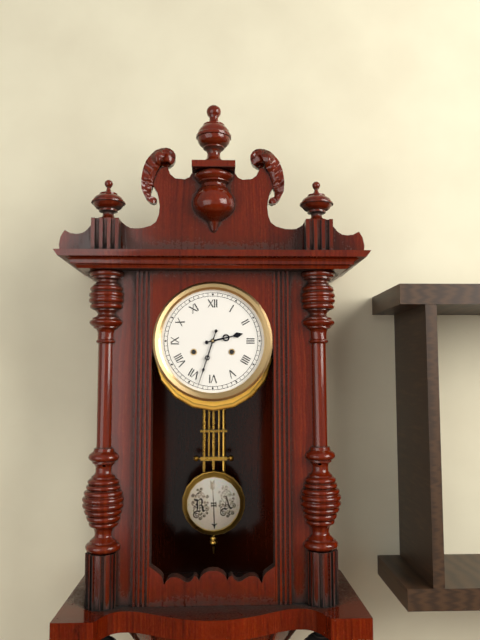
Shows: h=2 m=33
